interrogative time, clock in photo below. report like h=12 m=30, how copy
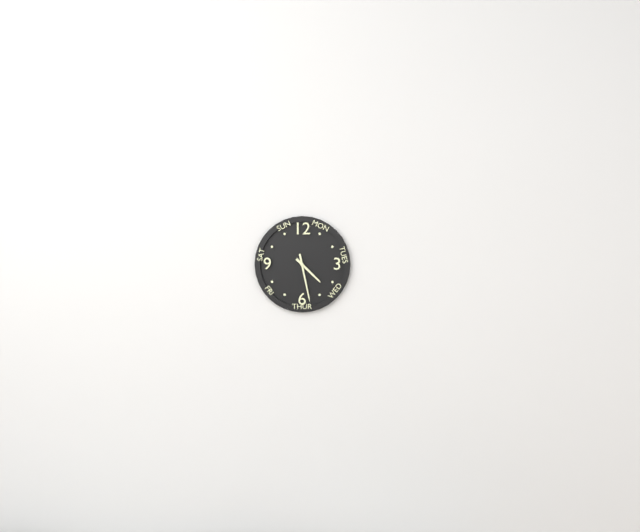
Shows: h=4 m=28
